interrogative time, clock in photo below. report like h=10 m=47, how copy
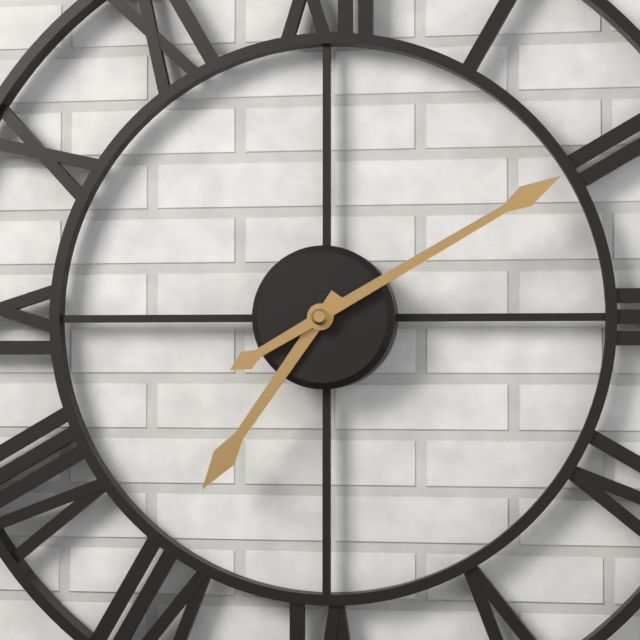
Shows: h=7 m=10
